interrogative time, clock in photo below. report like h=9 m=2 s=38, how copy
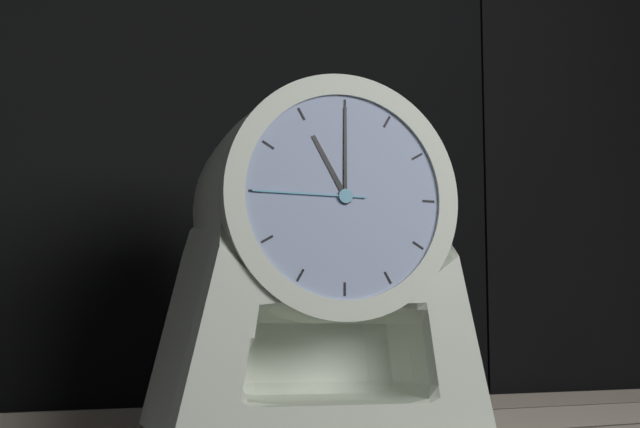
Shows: h=11 m=0 s=45
